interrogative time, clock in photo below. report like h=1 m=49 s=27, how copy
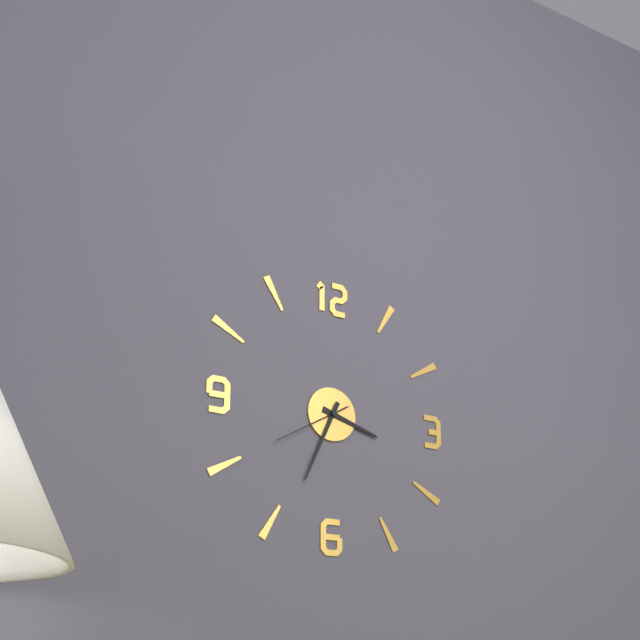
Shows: h=3 m=34 s=40
